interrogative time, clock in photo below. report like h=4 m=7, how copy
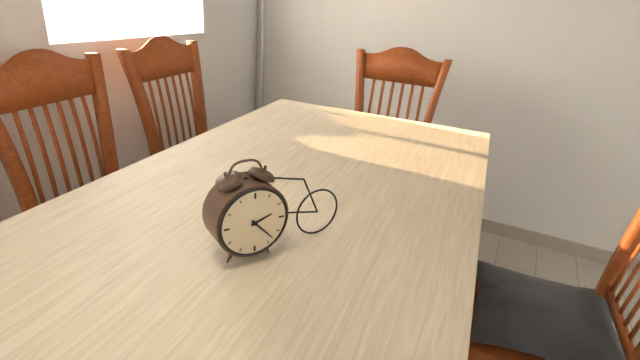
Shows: h=2 m=23
